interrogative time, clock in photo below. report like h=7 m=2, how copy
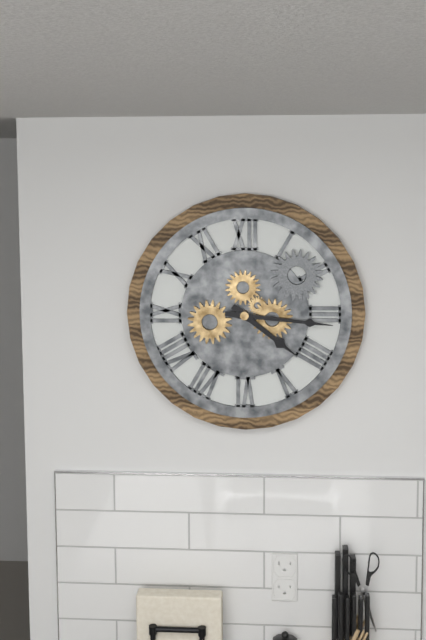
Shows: h=4 m=16
